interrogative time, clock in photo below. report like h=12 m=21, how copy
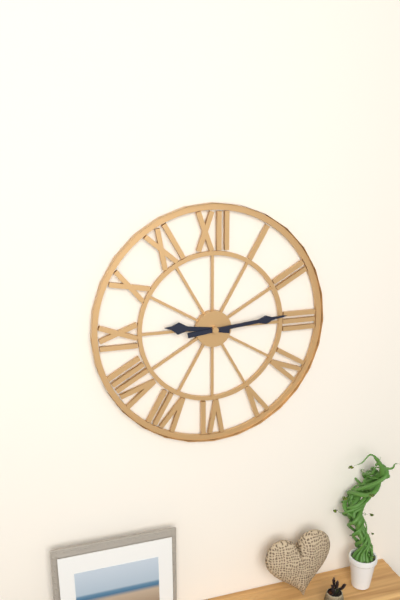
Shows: h=9 m=14
